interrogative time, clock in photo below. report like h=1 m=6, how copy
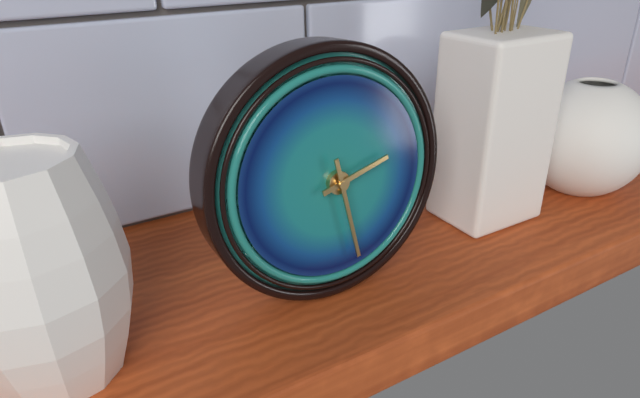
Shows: h=2 m=28
